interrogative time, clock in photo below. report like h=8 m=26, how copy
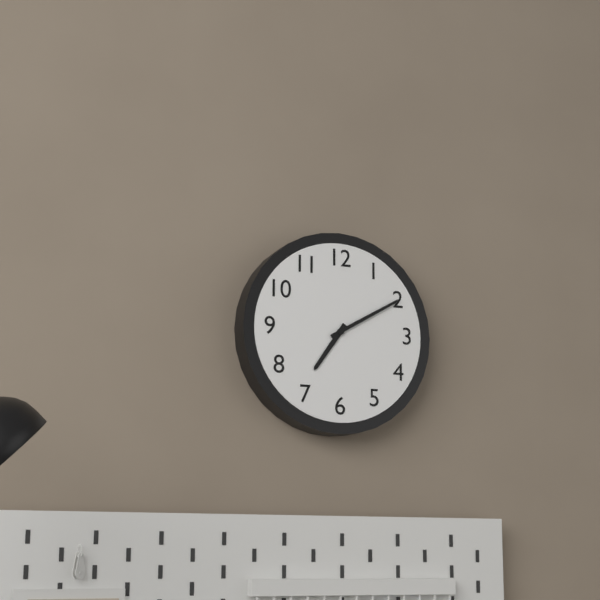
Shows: h=7 m=10
